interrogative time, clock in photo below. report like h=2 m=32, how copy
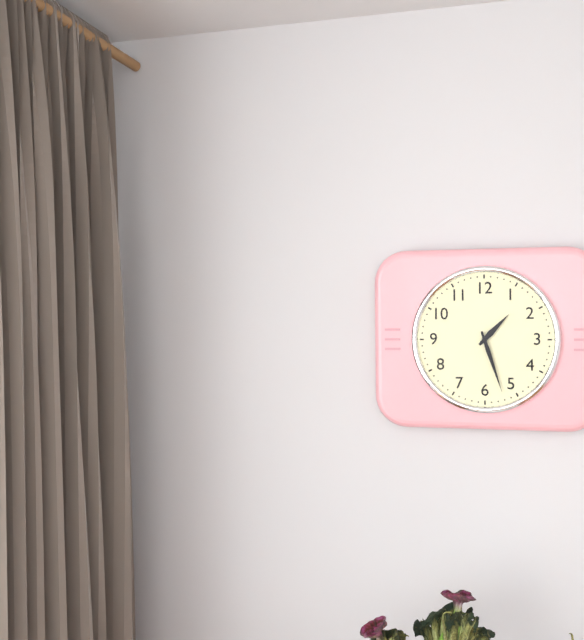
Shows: h=1 m=27
